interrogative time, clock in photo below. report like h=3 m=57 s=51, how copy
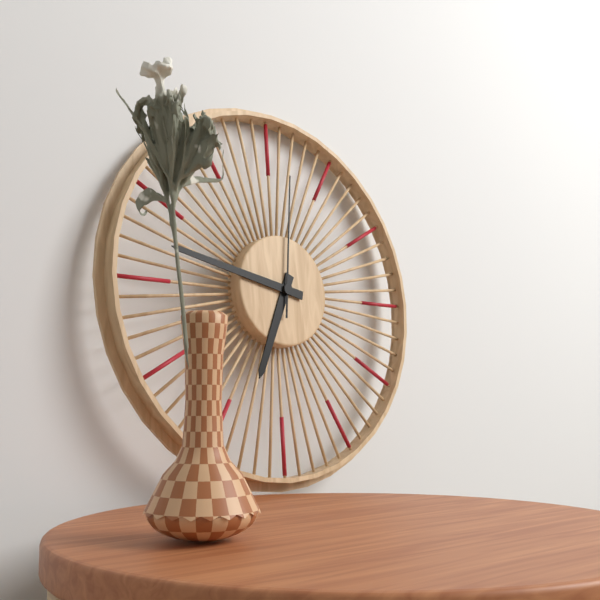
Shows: h=6 m=47 s=1
